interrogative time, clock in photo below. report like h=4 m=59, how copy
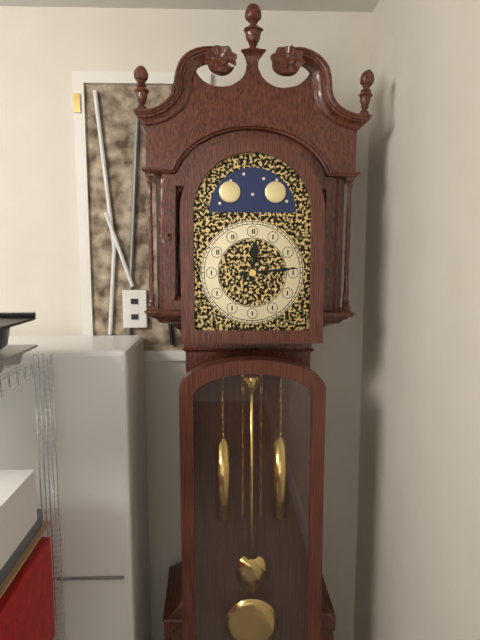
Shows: h=12 m=14
